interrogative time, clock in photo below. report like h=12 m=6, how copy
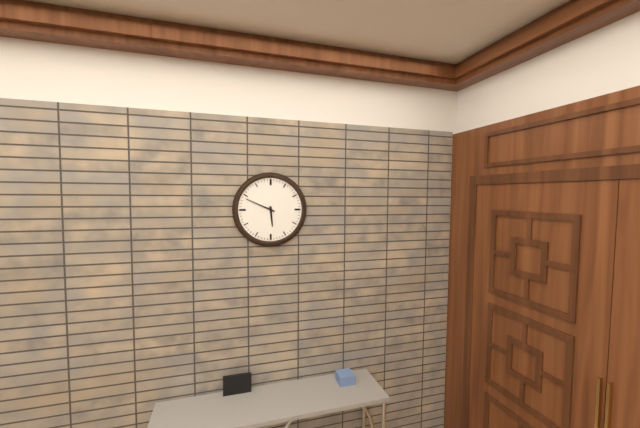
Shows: h=5 m=49
